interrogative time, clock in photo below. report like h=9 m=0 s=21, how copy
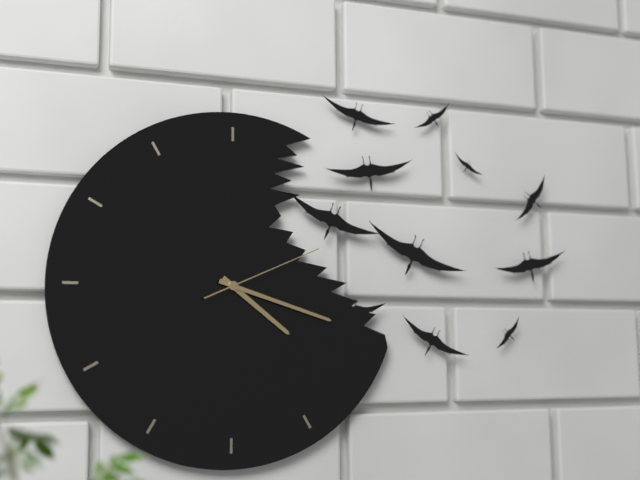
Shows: h=4 m=18 s=11
